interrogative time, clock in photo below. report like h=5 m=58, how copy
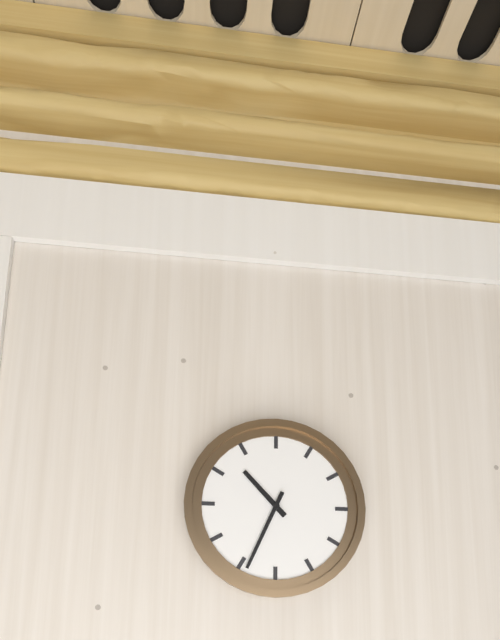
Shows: h=10 m=34
